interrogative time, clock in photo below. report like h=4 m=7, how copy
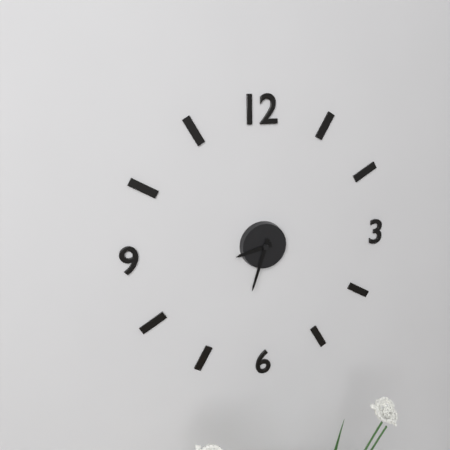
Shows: h=8 m=33
